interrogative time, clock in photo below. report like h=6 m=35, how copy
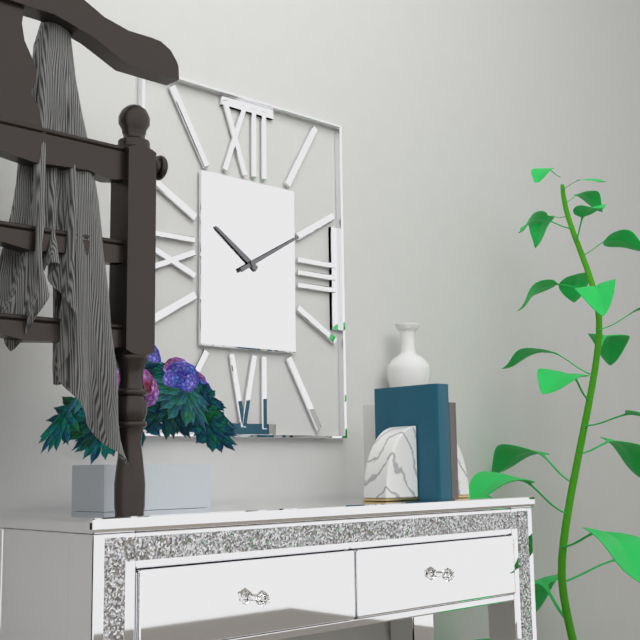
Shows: h=10 m=10
